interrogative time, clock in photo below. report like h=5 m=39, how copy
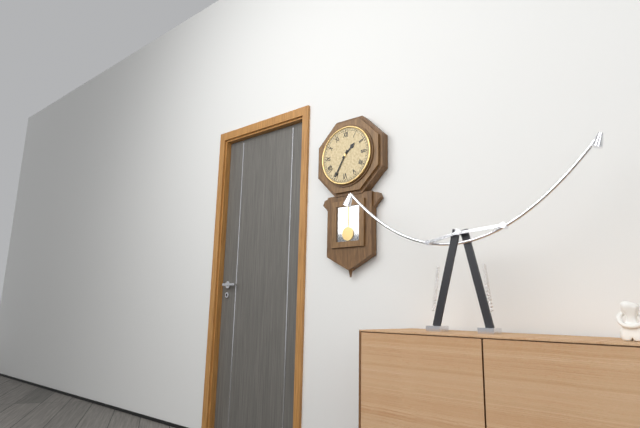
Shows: h=1 m=35
